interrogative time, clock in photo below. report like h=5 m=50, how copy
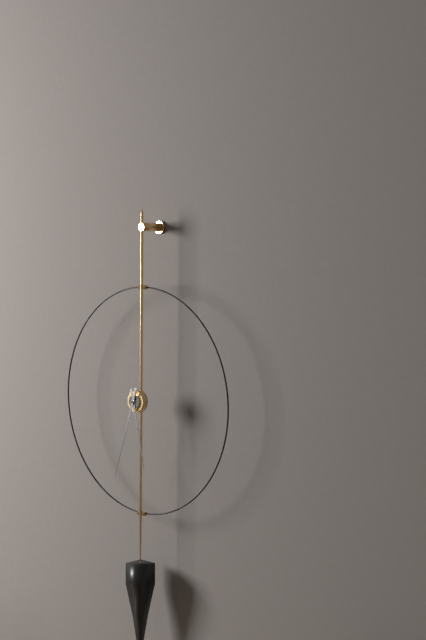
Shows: h=5 m=33
